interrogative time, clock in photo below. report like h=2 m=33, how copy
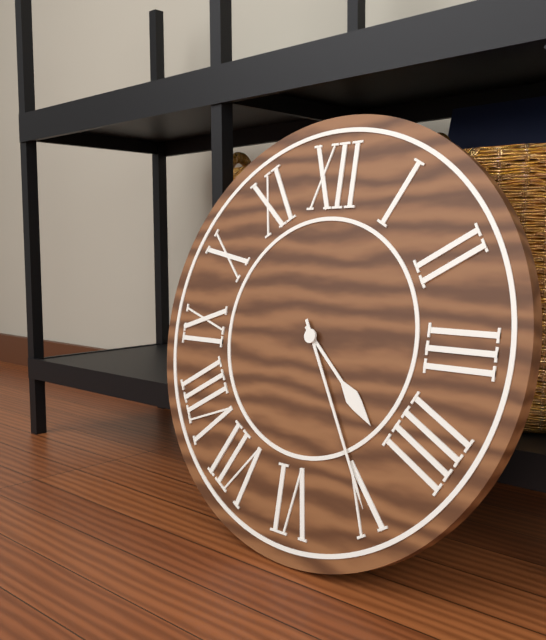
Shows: h=4 m=25
